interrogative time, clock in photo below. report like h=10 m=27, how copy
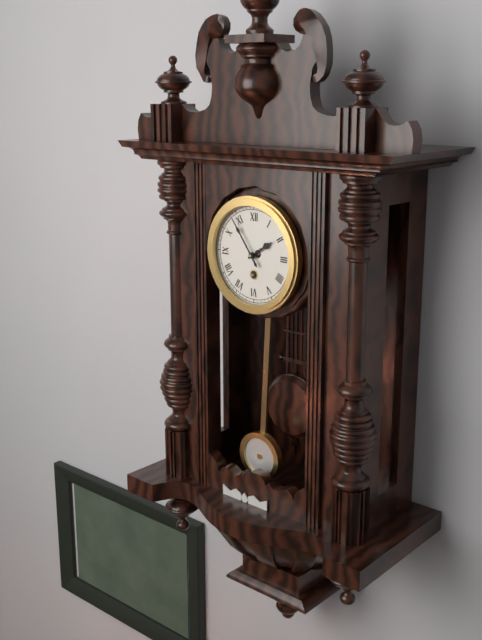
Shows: h=1 m=54
